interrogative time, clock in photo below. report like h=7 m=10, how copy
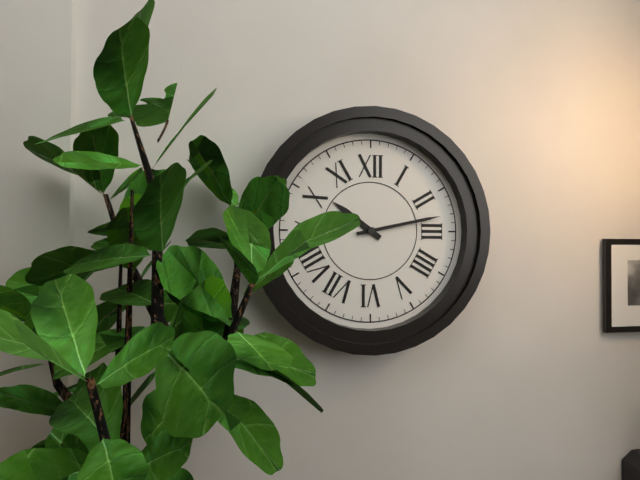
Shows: h=10 m=13
